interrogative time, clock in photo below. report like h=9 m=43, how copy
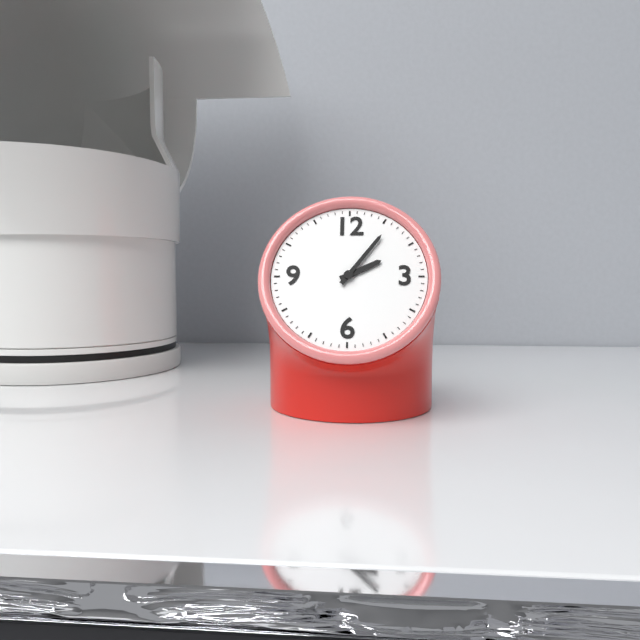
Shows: h=2 m=6
